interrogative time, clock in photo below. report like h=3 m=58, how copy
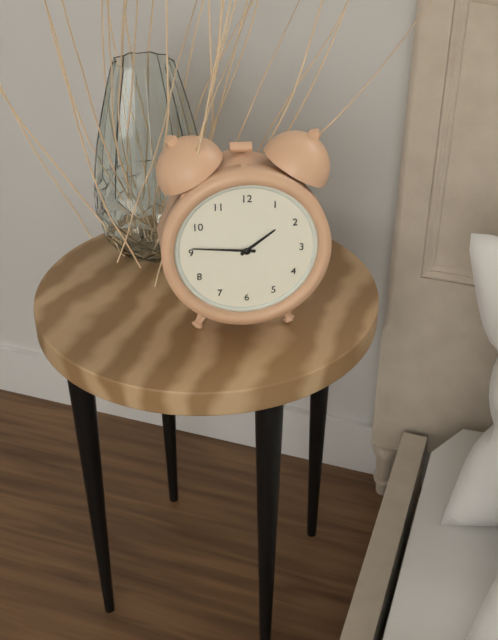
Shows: h=1 m=46
